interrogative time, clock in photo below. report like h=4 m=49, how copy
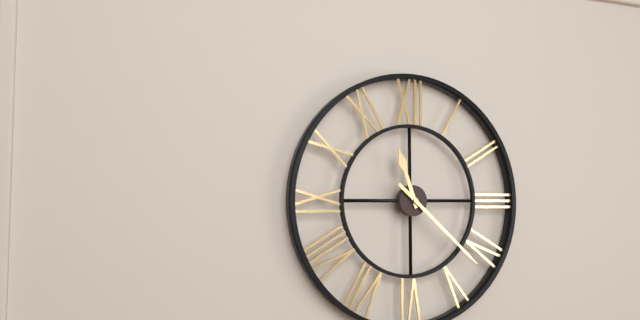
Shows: h=11 m=22
